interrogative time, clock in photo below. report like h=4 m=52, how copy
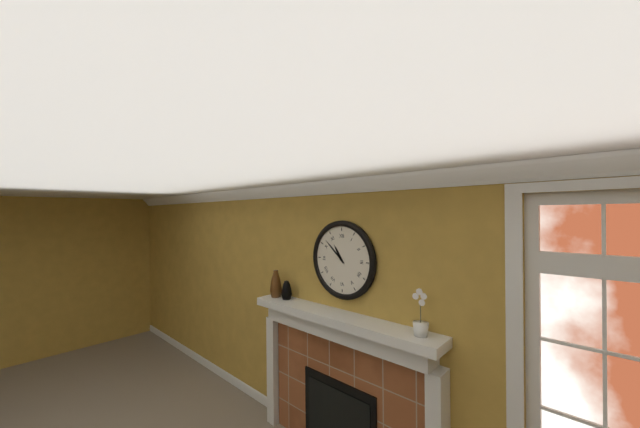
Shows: h=10 m=52
